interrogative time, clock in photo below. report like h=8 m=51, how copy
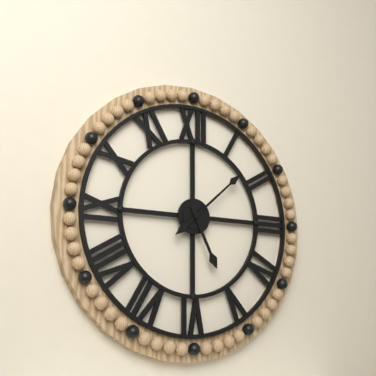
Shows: h=5 m=8
